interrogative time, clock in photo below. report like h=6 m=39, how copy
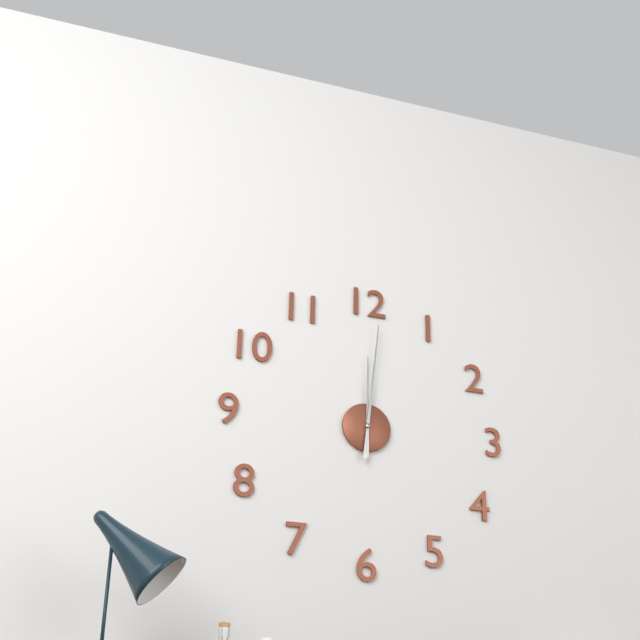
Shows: h=12 m=1
